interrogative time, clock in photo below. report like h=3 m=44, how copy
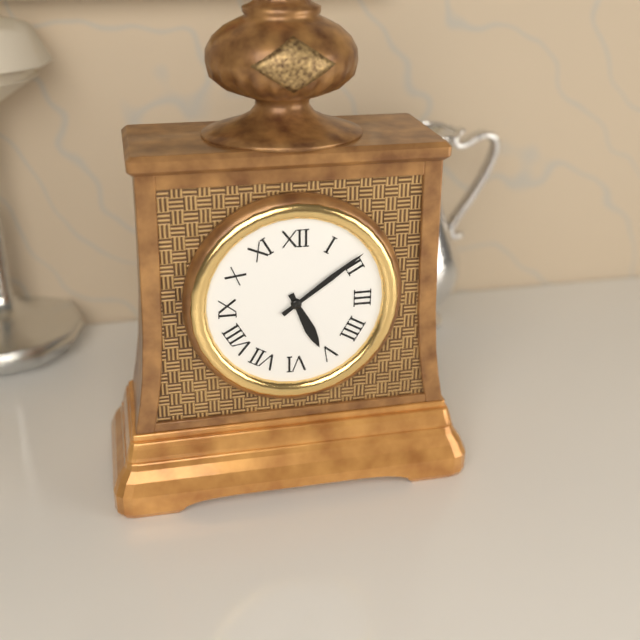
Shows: h=5 m=9
